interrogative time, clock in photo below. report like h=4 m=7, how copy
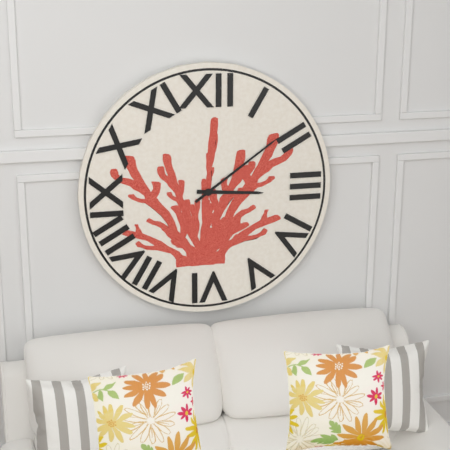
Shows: h=3 m=9
